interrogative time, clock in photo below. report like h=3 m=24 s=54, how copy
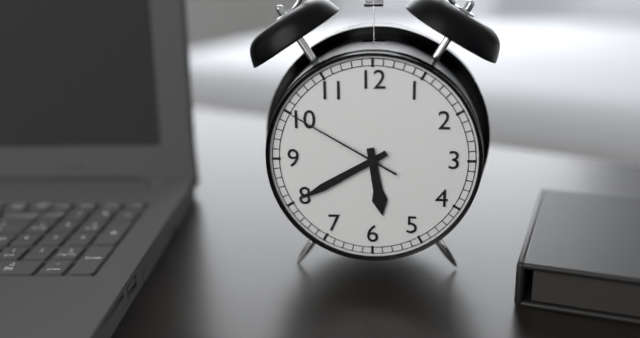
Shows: h=5 m=40 s=50
